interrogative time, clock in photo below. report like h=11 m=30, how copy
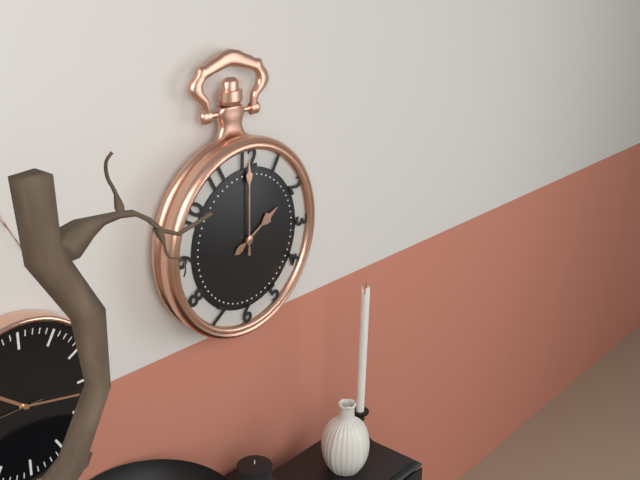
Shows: h=2 m=0
